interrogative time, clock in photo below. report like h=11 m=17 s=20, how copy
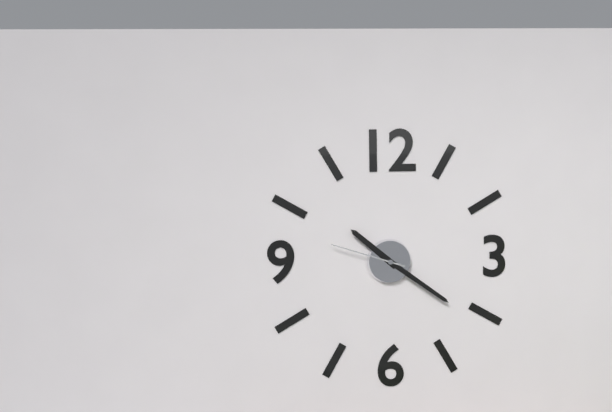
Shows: h=10 m=21 s=48
